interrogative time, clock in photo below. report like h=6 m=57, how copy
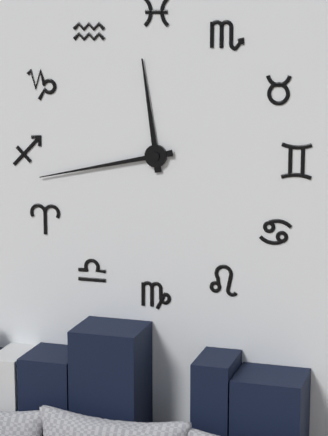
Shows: h=11 m=43
